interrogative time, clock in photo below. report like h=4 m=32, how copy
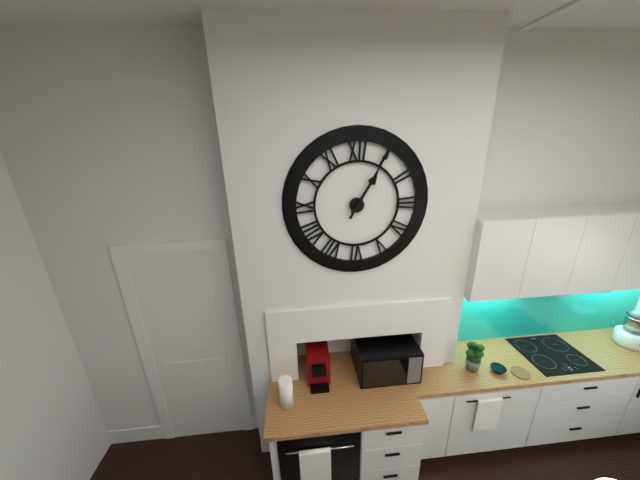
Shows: h=1 m=5
